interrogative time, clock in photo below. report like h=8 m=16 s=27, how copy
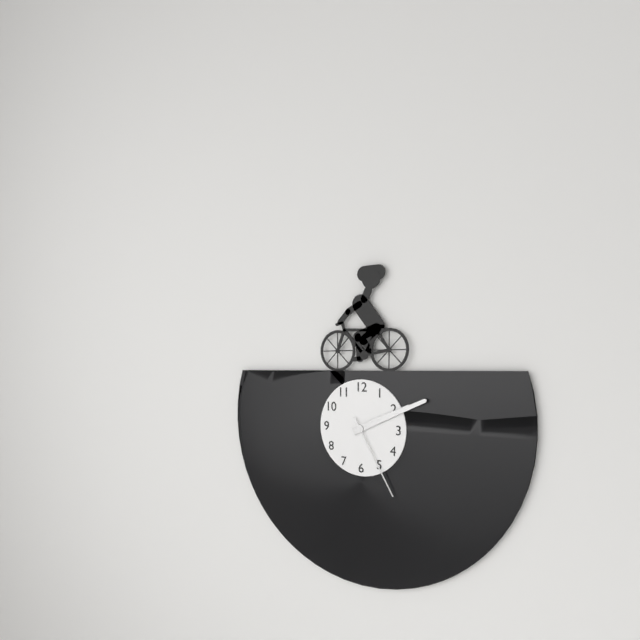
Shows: h=2 m=11 s=25
